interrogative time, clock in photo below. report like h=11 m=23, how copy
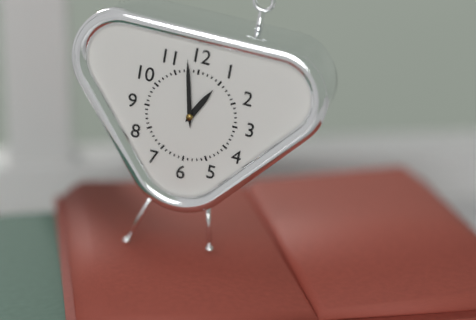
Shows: h=12 m=58
